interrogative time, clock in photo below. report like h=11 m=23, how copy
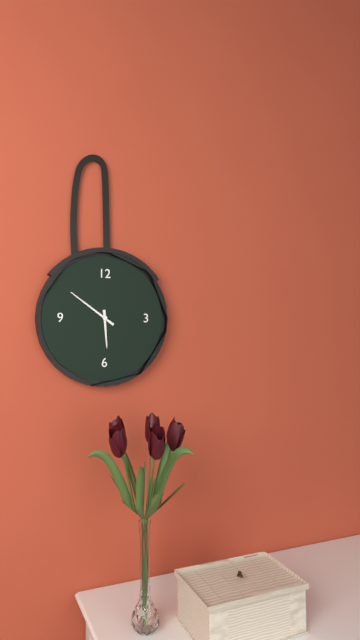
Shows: h=5 m=51
